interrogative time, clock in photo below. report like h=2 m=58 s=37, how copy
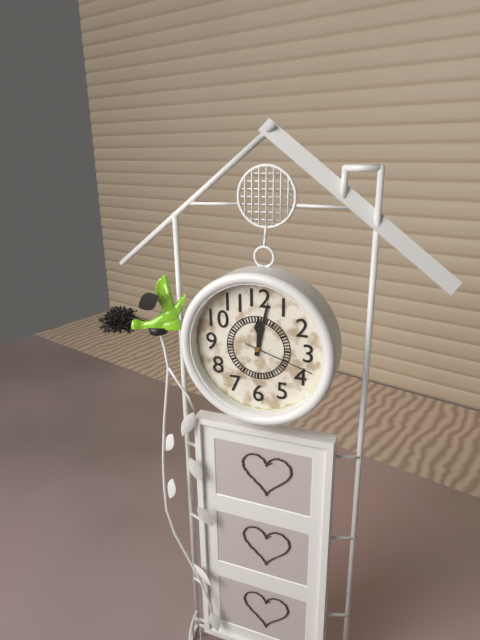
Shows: h=12 m=2 s=18
